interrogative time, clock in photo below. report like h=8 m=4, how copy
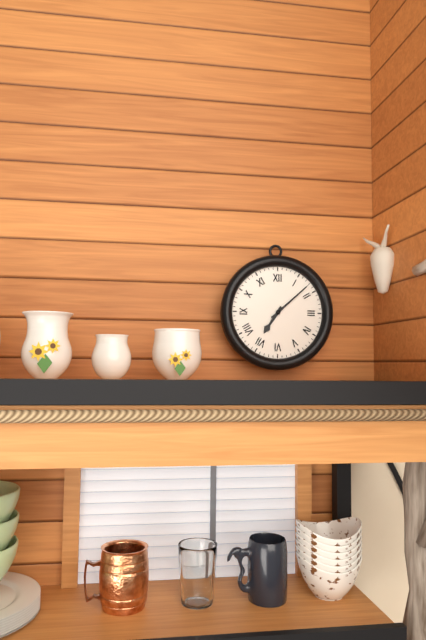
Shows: h=7 m=8
